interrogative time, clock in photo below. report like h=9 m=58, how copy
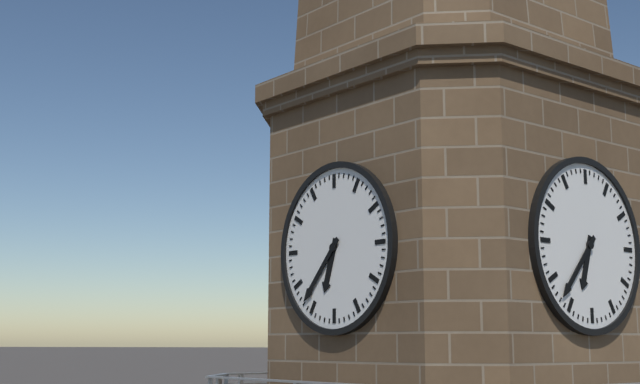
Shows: h=6 m=37
